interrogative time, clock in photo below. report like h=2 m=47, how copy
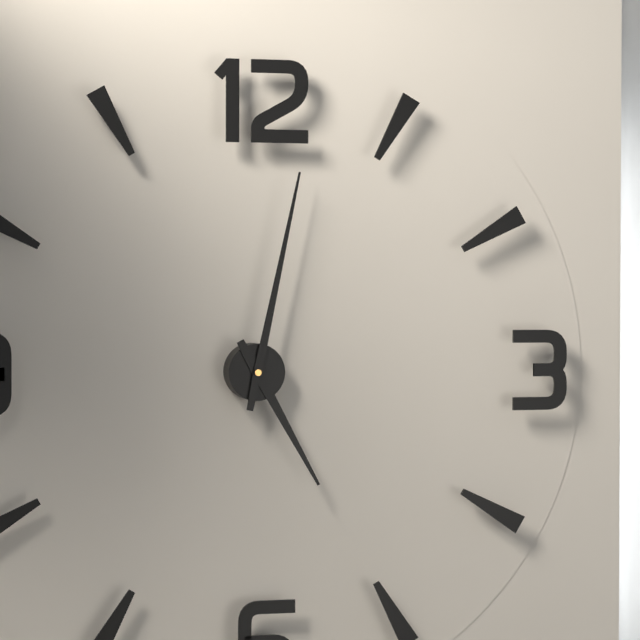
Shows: h=5 m=2
